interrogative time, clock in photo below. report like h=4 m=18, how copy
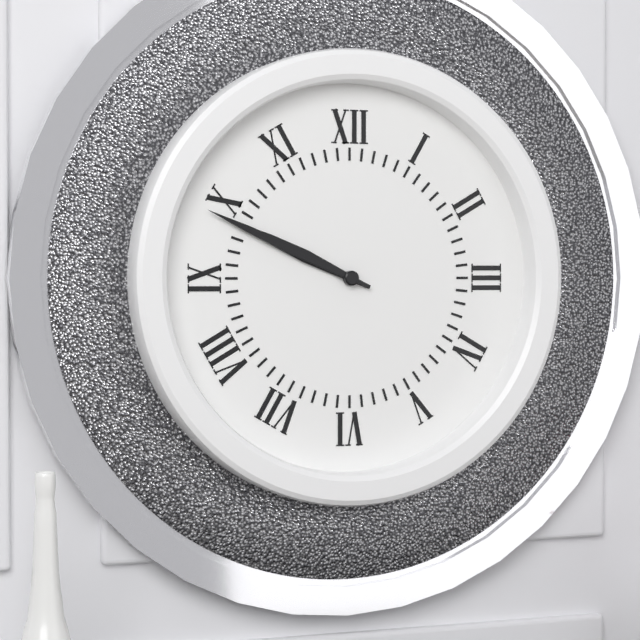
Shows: h=9 m=49
